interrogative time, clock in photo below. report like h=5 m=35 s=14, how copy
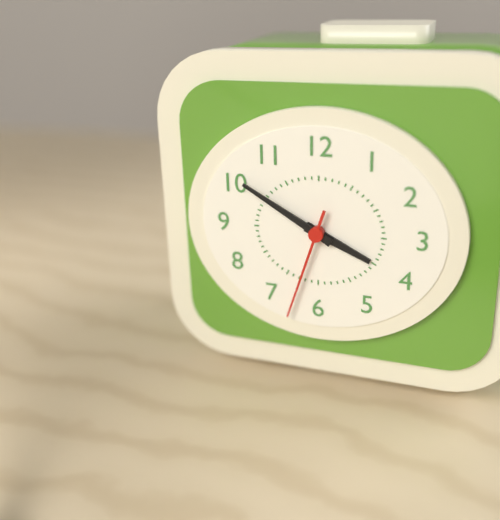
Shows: h=3 m=50 s=33
